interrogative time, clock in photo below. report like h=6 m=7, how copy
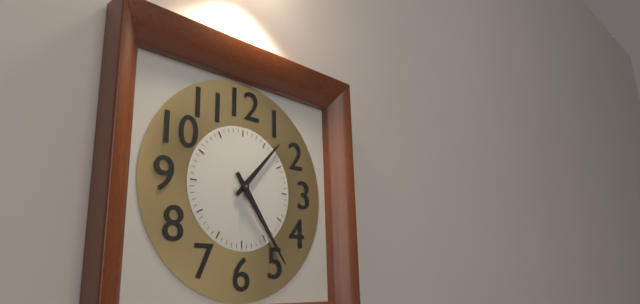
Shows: h=1 m=24
